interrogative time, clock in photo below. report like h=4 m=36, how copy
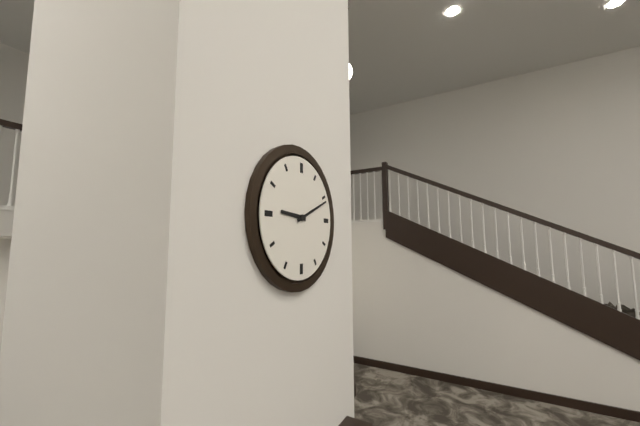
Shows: h=9 m=11
